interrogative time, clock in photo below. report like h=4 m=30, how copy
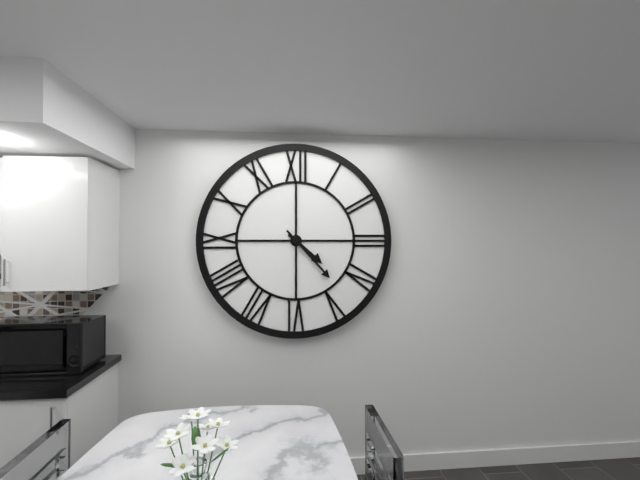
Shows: h=4 m=23
